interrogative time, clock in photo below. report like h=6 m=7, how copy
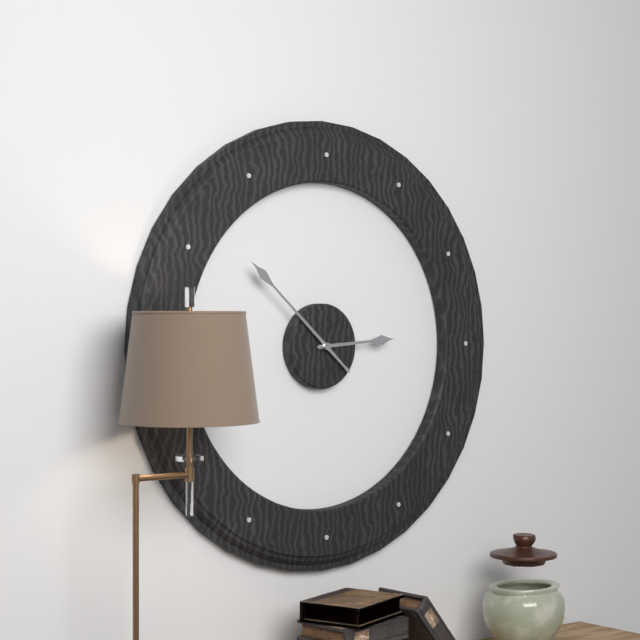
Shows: h=2 m=52
